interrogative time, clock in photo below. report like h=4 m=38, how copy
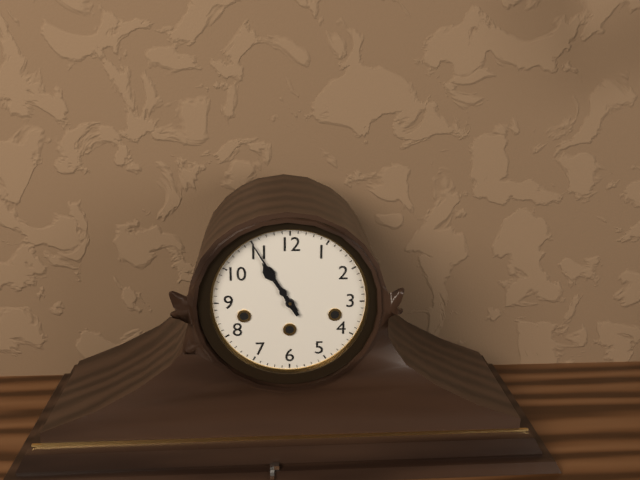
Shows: h=10 m=55
